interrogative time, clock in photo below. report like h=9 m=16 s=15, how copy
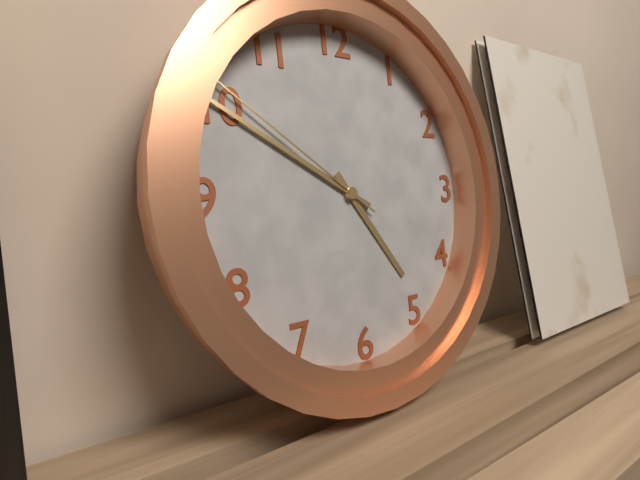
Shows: h=4 m=50 s=51
